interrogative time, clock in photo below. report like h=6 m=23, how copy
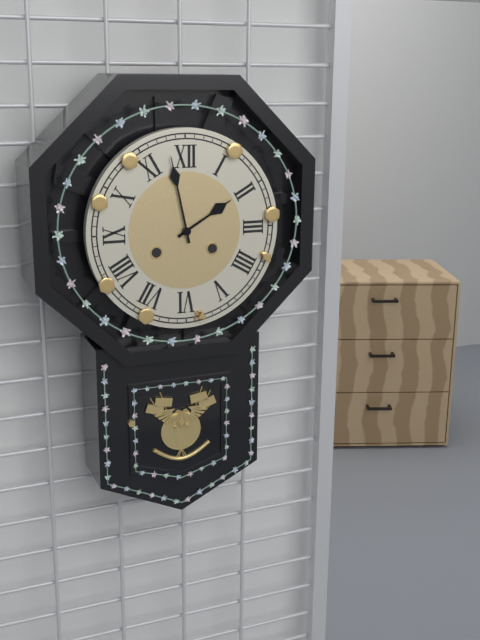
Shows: h=1 m=58
